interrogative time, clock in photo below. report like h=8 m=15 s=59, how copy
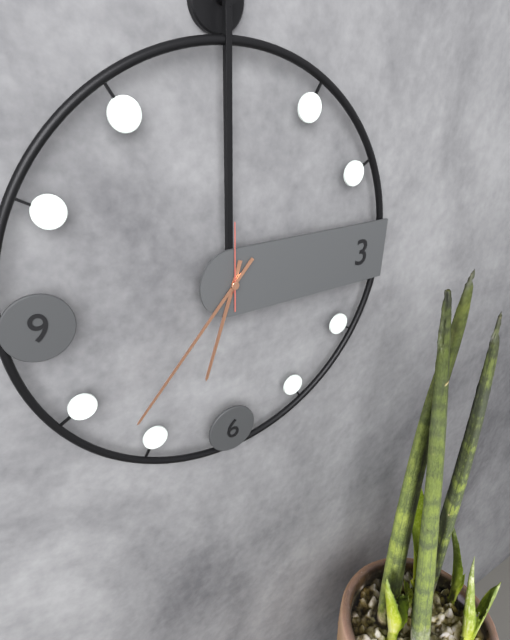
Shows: h=6 m=37 s=0
